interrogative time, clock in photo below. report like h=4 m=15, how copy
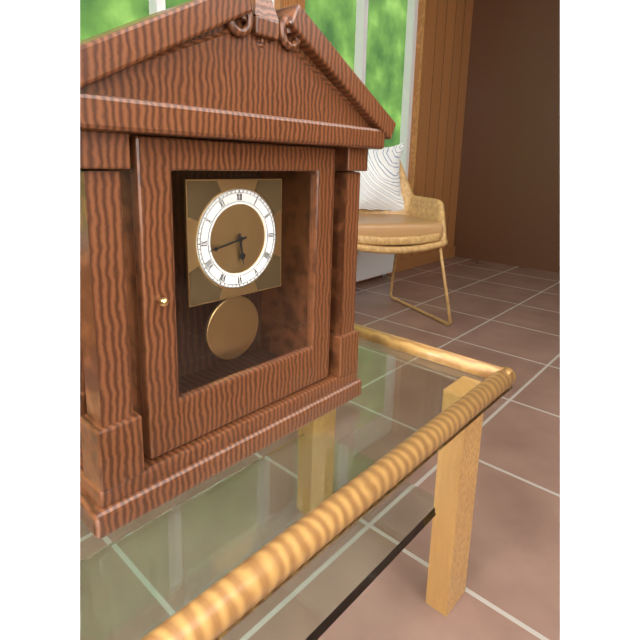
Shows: h=5 m=43
